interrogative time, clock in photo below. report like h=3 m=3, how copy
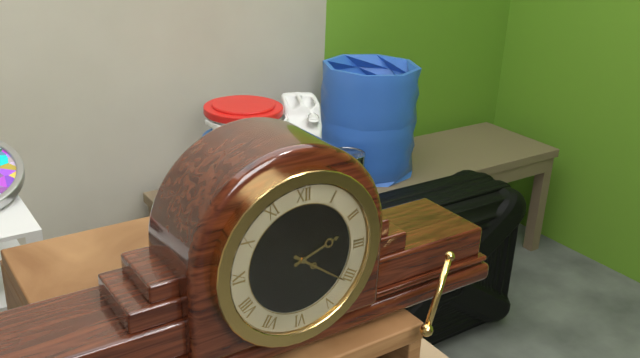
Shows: h=2 m=21
